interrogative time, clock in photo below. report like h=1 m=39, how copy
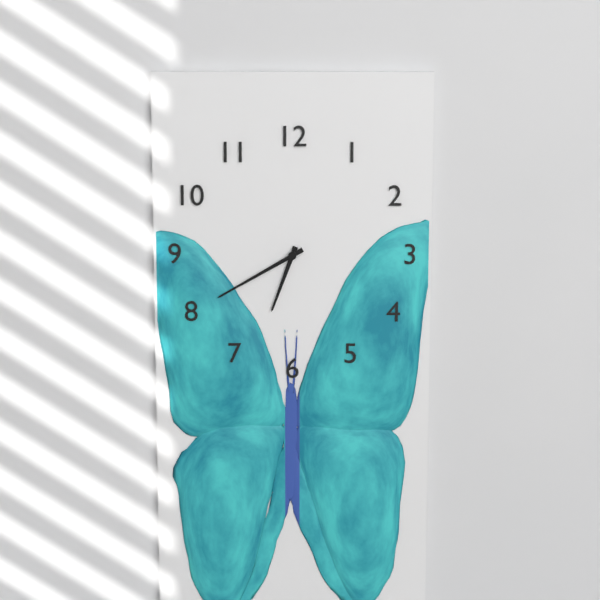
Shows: h=6 m=40
